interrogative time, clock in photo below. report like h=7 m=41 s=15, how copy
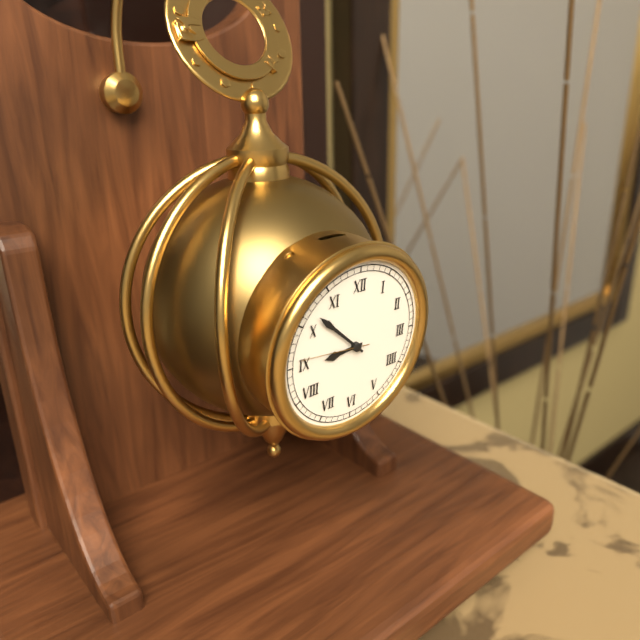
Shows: h=8 m=52 s=46
